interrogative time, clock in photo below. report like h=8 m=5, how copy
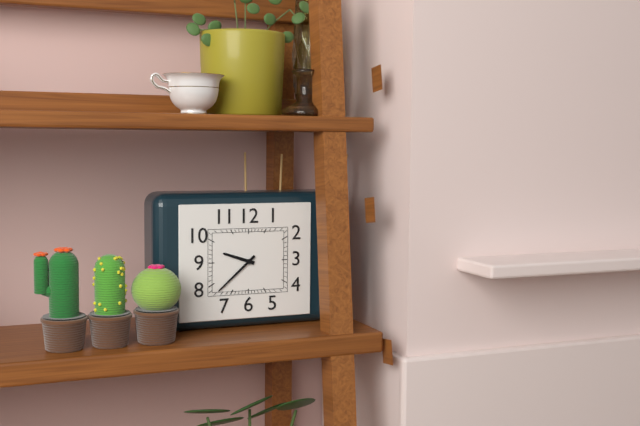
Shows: h=9 m=38
